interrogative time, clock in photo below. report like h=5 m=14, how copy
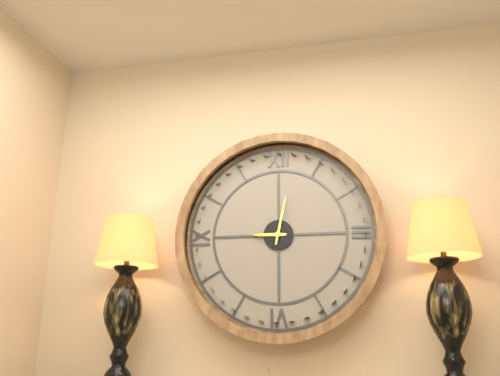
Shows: h=9 m=2
